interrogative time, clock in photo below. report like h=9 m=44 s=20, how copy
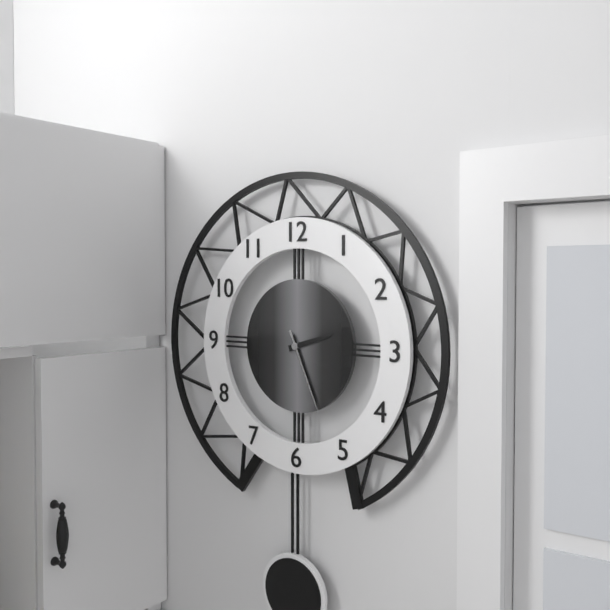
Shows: h=2 m=26 s=26
